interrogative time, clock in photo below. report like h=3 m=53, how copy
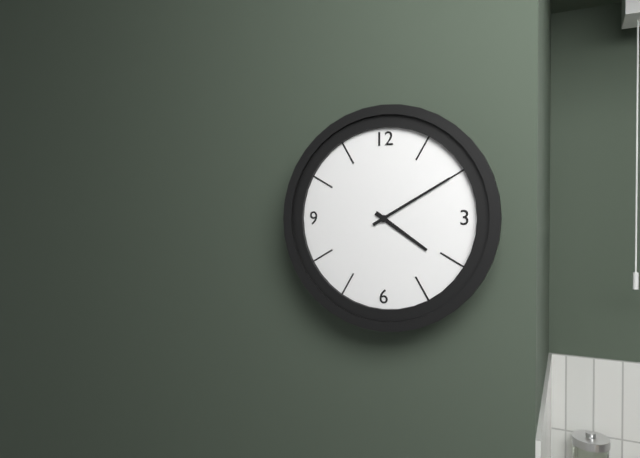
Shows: h=4 m=10
